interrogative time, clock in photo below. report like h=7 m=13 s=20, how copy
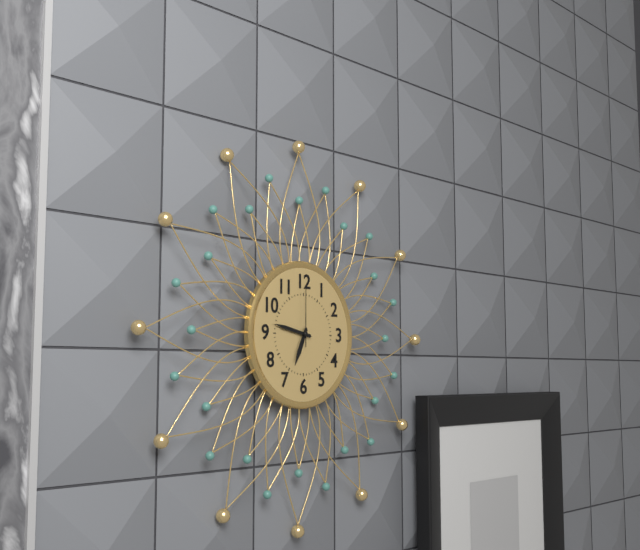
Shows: h=6 m=47 s=0
